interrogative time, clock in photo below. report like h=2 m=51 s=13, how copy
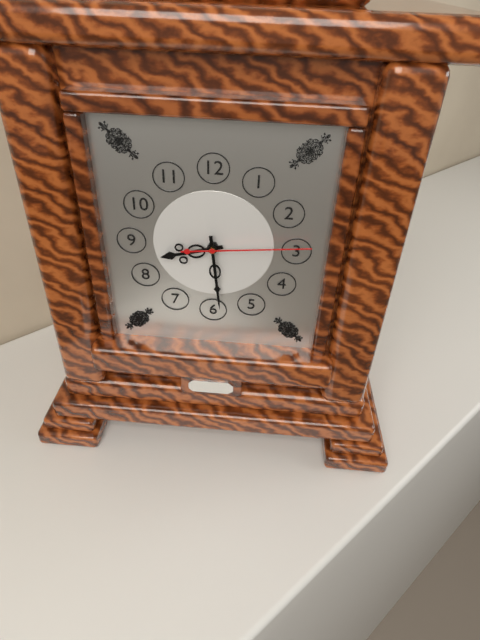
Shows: h=8 m=29 s=14
